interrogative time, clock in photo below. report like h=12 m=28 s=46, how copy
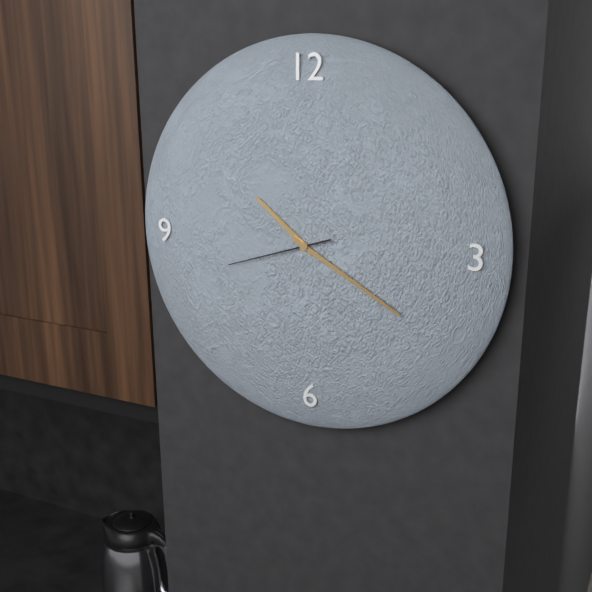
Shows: h=10 m=20 s=42
